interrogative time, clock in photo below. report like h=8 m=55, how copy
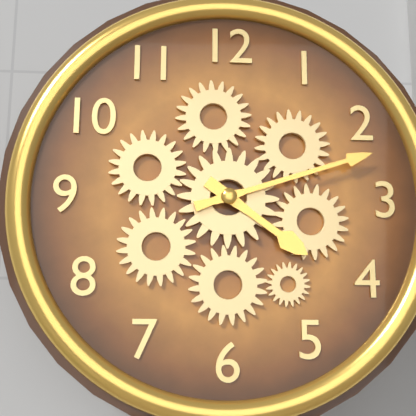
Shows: h=4 m=12
